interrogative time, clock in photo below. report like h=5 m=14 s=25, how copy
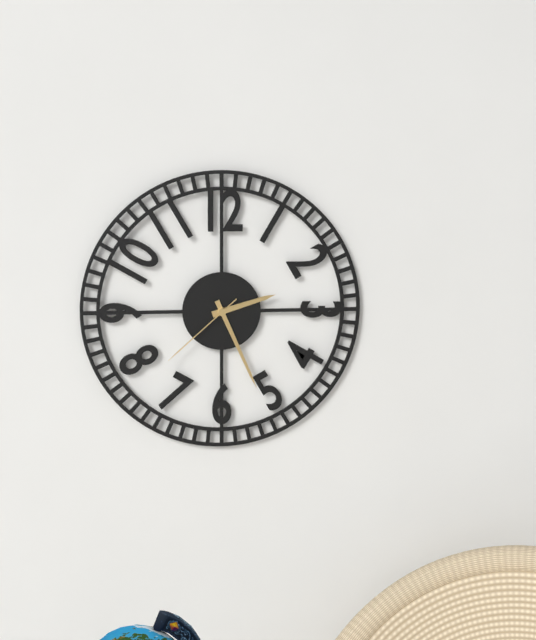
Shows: h=2 m=26 s=38
